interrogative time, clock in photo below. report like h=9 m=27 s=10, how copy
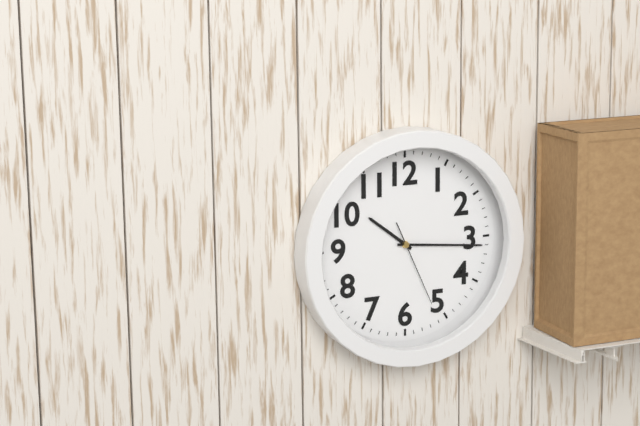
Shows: h=10 m=16 s=26
